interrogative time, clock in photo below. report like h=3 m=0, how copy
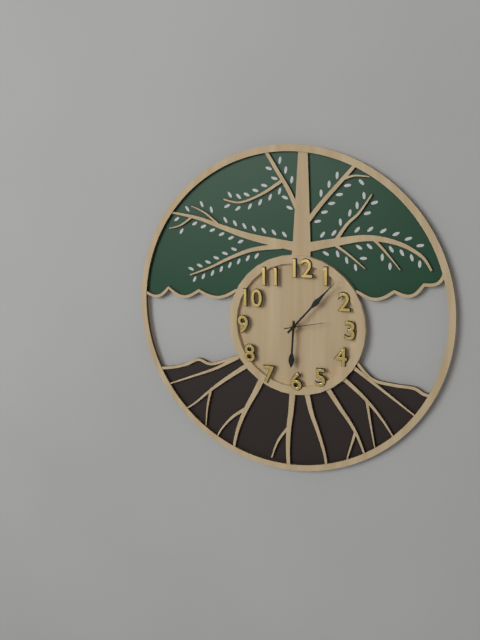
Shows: h=6 m=7
